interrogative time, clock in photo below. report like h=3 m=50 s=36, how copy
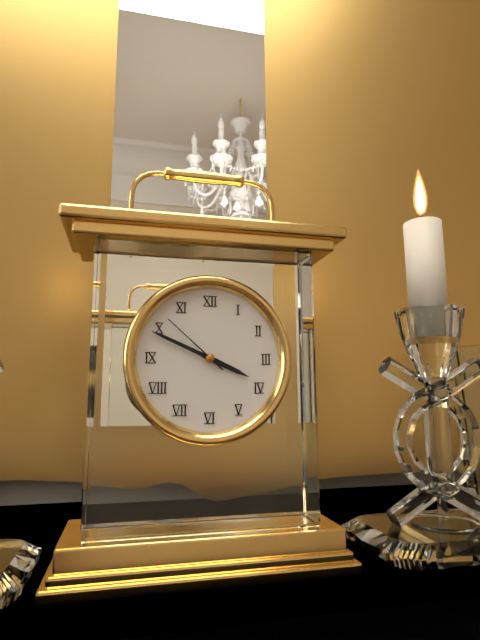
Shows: h=3 m=49 s=52
